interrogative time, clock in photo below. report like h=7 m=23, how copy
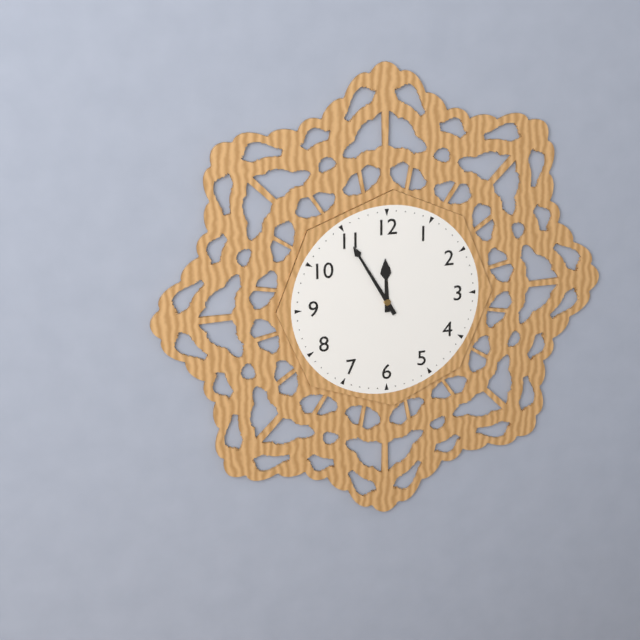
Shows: h=11 m=55
